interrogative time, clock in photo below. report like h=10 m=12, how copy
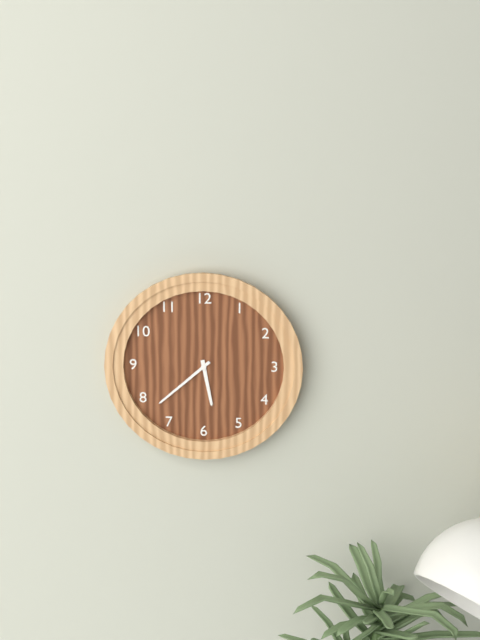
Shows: h=5 m=38
